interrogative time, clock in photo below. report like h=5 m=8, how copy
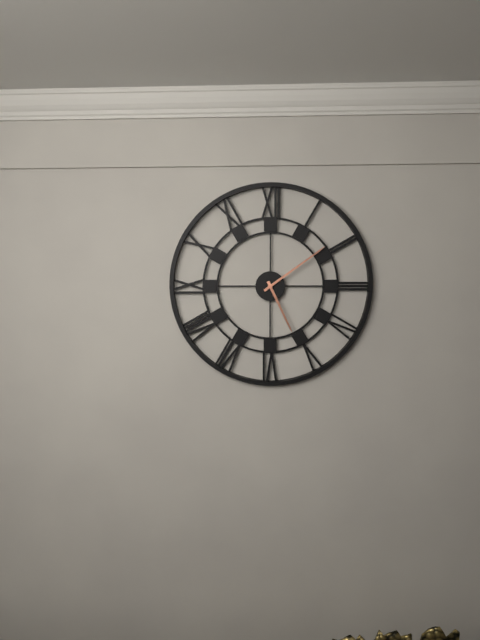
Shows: h=5 m=9
